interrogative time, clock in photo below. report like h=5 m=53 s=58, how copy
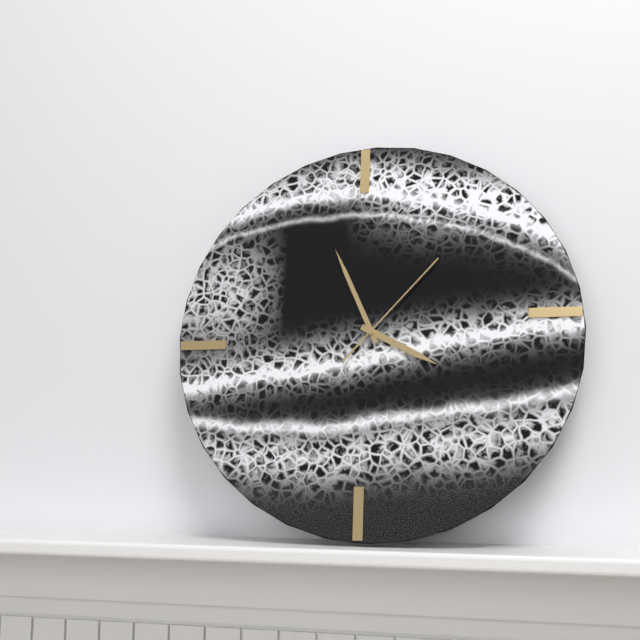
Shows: h=3 m=56 s=7
